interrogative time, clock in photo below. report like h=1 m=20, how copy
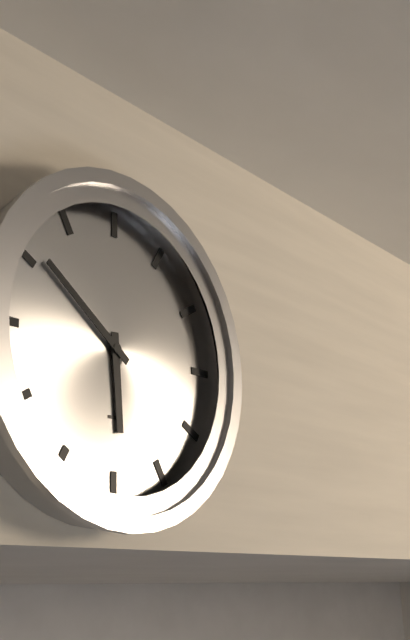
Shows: h=5 m=51
